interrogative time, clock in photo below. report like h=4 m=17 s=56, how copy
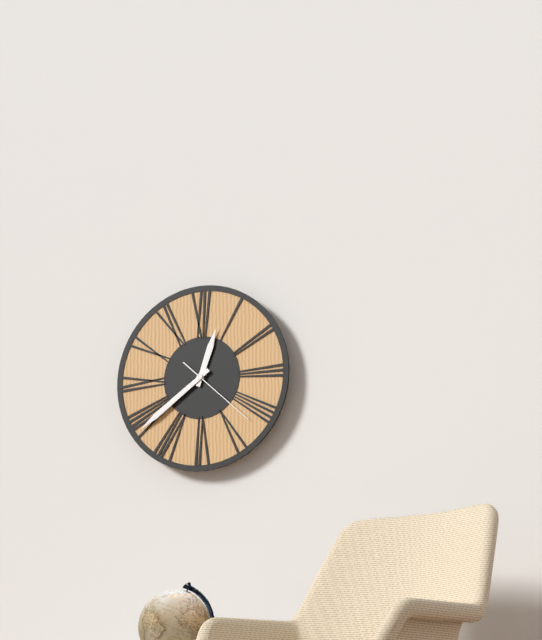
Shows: h=12 m=39 s=22
